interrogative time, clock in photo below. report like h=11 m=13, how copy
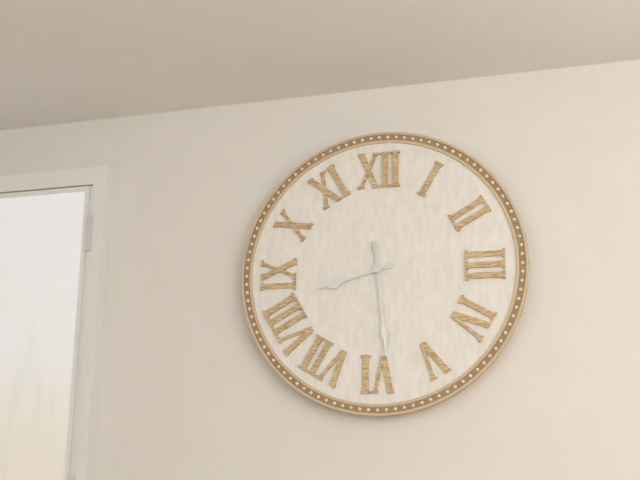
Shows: h=8 m=29
